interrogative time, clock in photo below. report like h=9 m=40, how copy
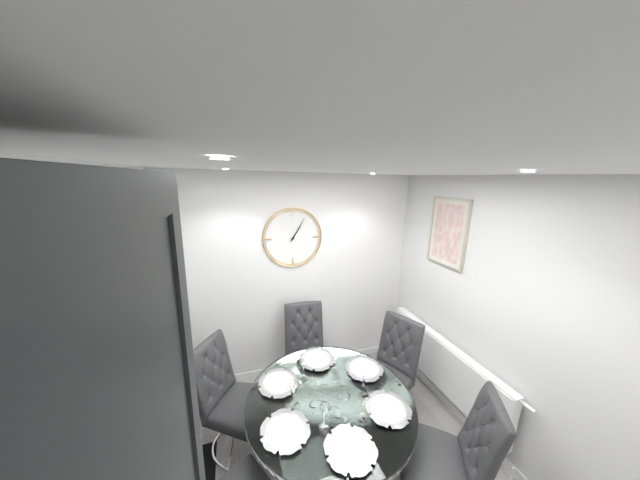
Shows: h=1 m=5
